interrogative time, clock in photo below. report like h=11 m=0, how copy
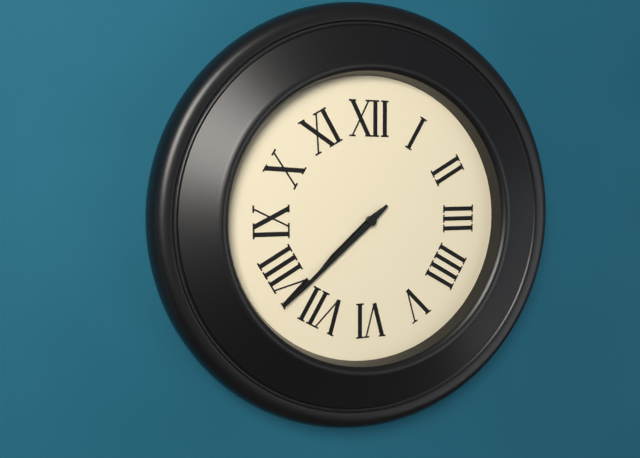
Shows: h=7 m=38
